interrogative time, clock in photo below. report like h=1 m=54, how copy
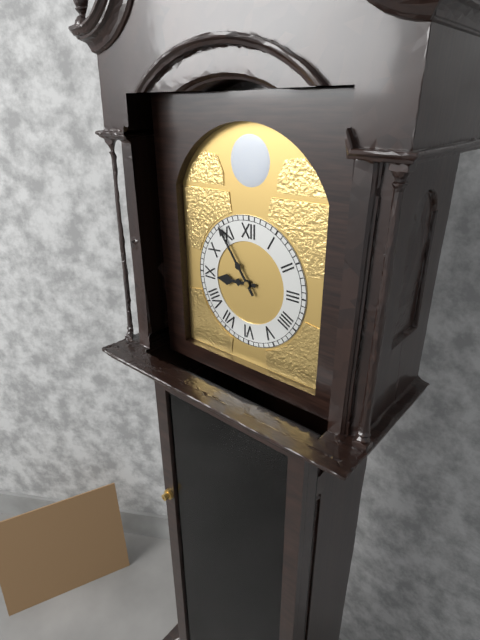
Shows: h=8 m=54
